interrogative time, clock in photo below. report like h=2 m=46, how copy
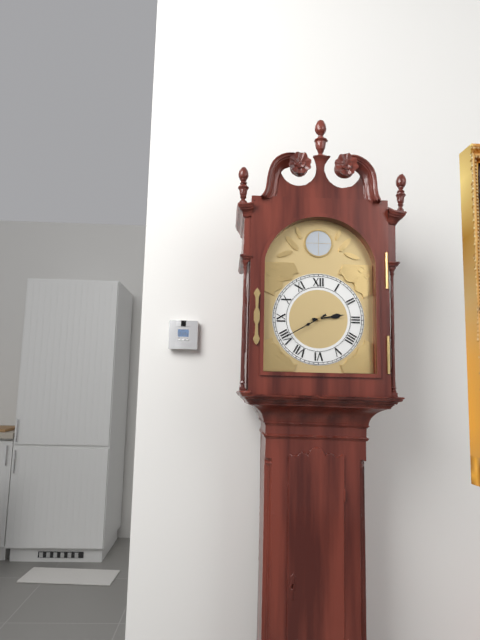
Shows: h=2 m=40
